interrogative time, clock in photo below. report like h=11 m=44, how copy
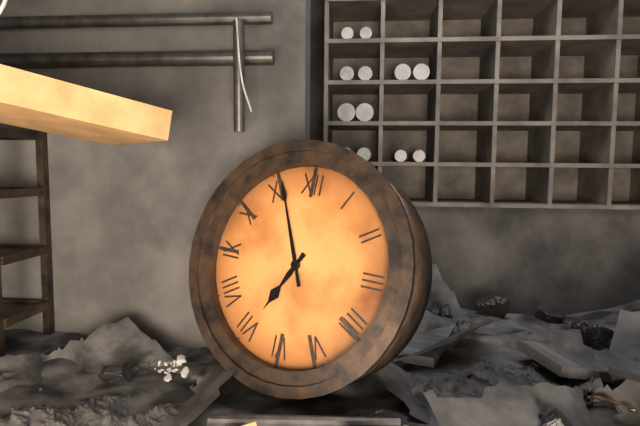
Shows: h=6 m=56
